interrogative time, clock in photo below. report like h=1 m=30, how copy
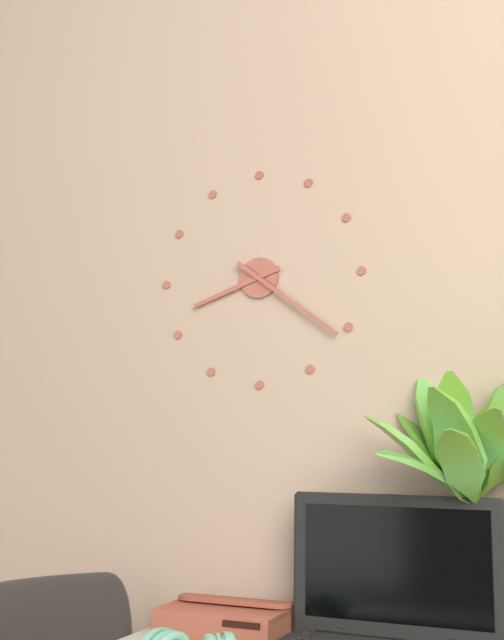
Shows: h=8 m=21
